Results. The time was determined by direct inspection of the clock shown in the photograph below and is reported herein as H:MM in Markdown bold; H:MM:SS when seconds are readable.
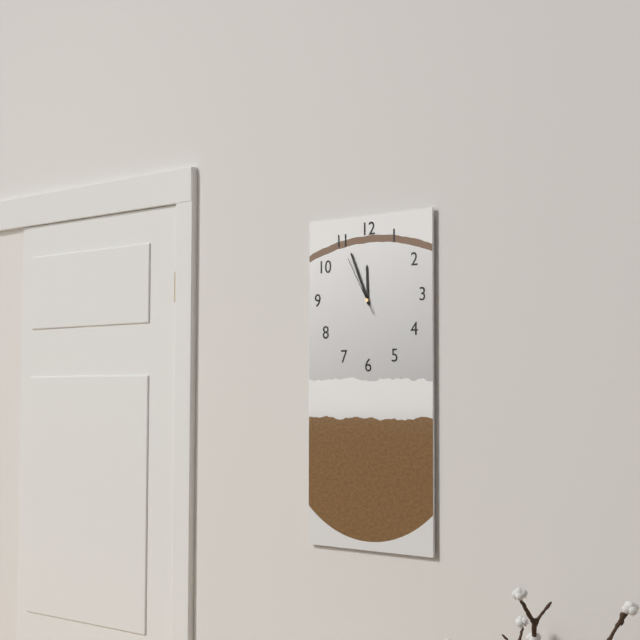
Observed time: **11:56:55**
